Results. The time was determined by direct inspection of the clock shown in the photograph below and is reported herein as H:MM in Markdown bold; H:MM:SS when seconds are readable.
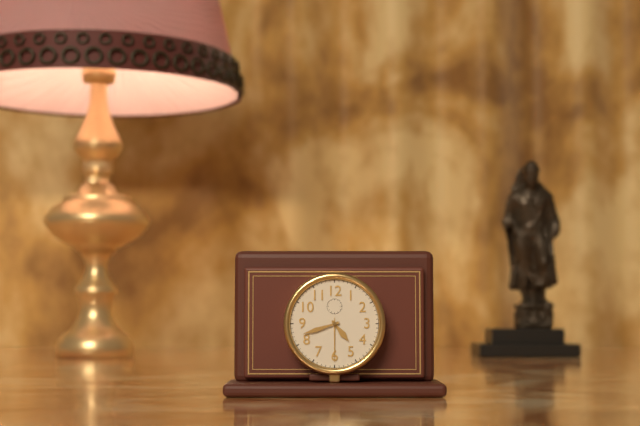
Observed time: **4:42**
